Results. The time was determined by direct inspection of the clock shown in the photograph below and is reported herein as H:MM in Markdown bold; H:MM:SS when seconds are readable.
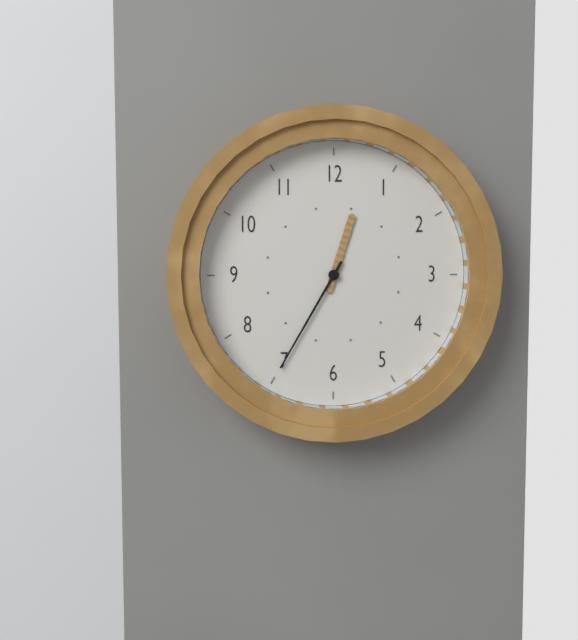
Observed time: **12:35**
